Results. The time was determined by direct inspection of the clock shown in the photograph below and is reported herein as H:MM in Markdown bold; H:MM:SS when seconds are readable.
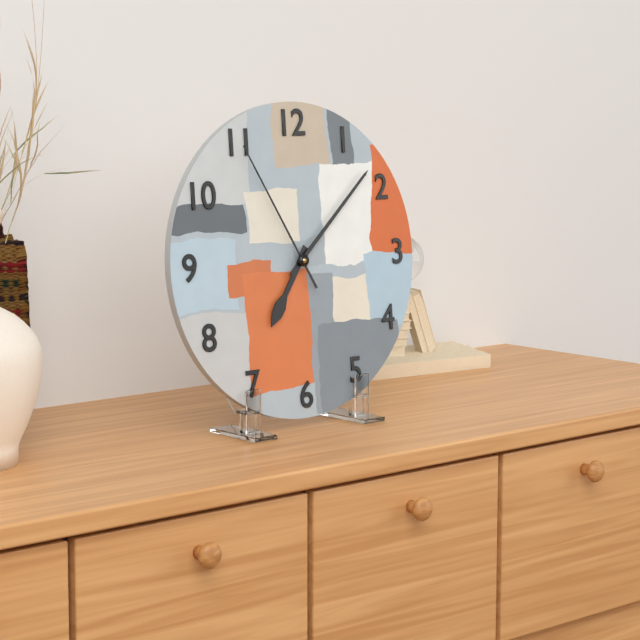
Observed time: **7:08:55**
